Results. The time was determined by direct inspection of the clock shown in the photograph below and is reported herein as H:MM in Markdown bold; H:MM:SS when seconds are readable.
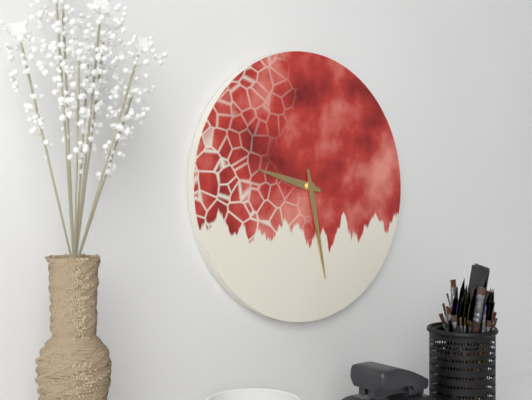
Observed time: **9:28**
